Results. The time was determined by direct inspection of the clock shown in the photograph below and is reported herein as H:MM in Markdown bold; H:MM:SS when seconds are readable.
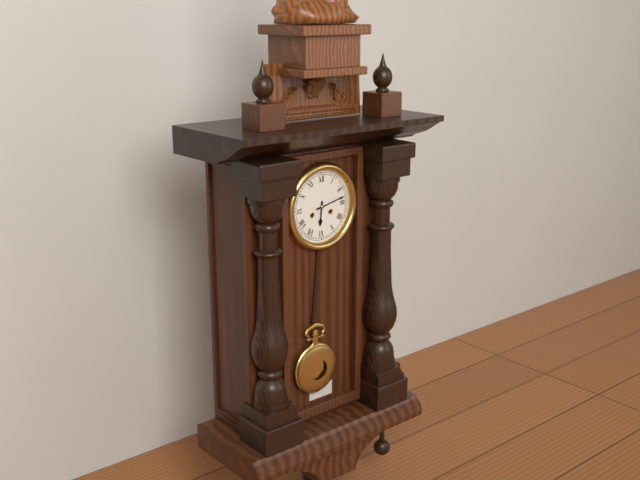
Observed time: **6:13**
